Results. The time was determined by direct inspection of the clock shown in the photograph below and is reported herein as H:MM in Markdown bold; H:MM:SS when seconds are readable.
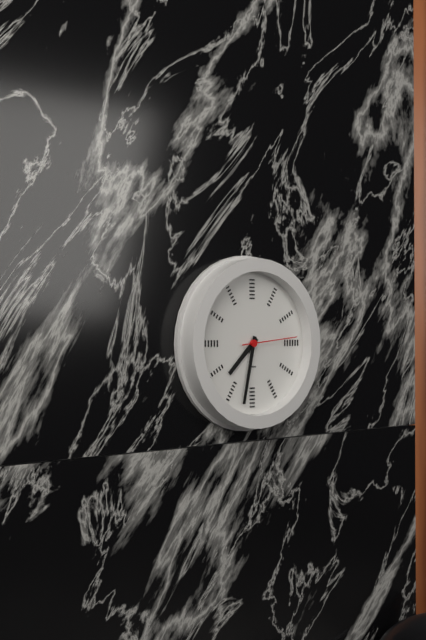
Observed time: **7:32:14**
